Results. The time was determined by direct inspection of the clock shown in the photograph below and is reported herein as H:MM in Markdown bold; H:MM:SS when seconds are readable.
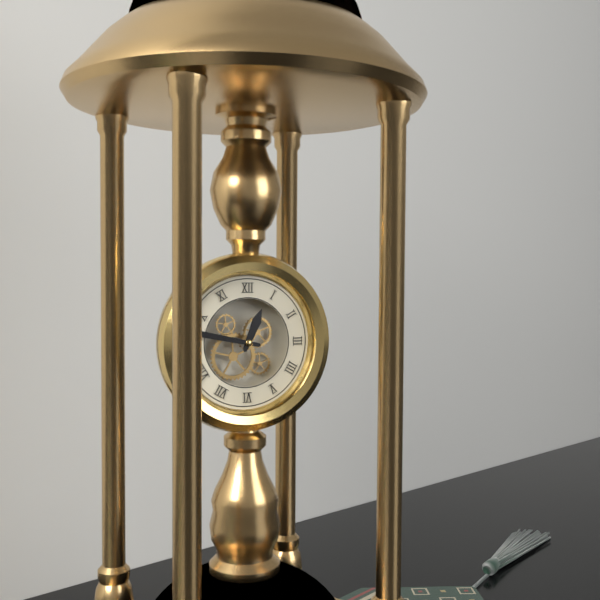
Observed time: **12:47**
